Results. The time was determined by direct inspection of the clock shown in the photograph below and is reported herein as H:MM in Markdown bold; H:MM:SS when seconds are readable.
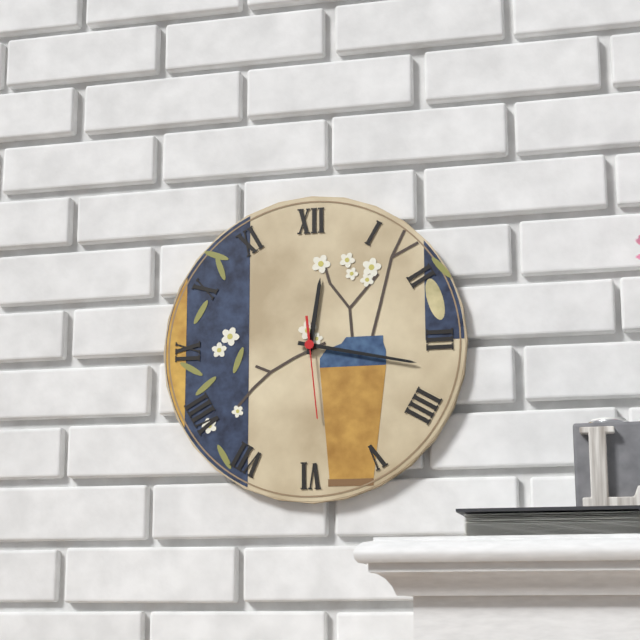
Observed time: **12:17:29**
